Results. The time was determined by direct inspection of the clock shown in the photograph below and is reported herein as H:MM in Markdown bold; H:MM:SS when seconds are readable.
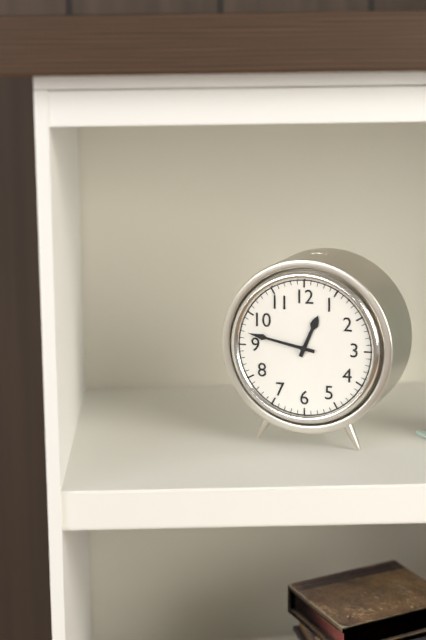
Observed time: **12:47**
